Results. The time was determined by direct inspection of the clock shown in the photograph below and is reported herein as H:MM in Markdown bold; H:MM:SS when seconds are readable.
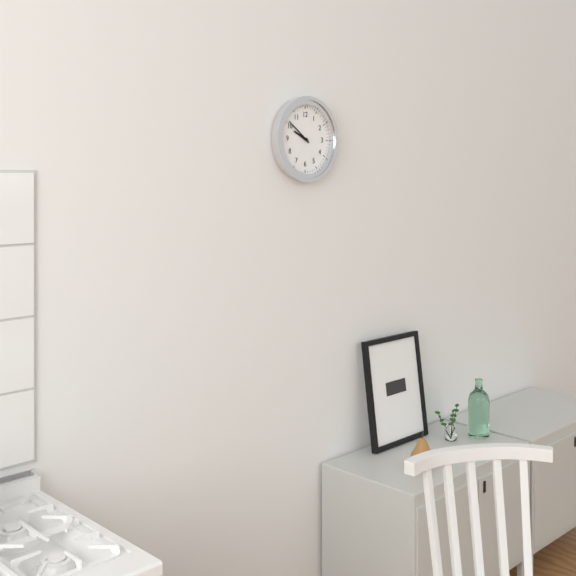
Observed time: **9:51**
